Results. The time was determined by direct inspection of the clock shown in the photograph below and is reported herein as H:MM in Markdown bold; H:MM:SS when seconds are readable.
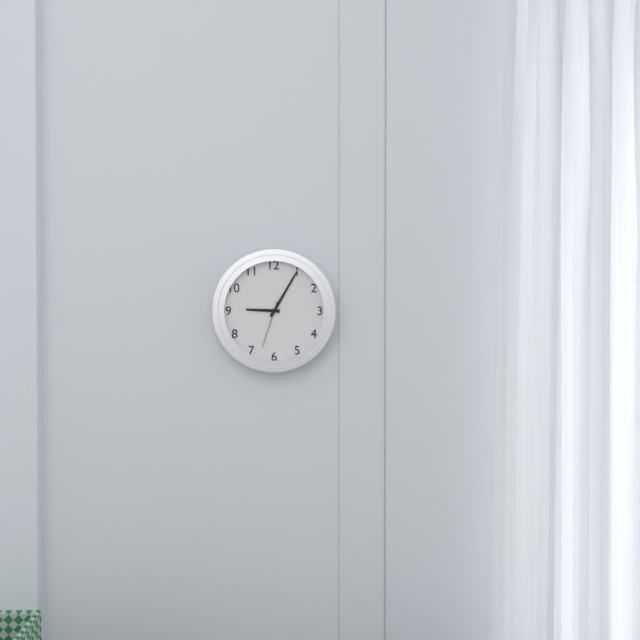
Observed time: **9:05**
